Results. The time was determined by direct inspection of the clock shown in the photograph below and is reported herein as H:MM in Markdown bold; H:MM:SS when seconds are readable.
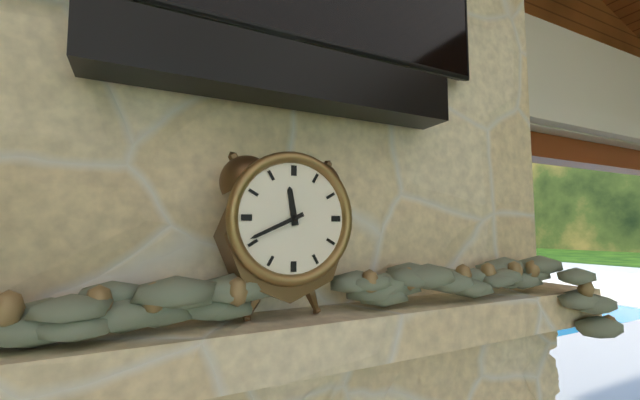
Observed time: **11:41**
